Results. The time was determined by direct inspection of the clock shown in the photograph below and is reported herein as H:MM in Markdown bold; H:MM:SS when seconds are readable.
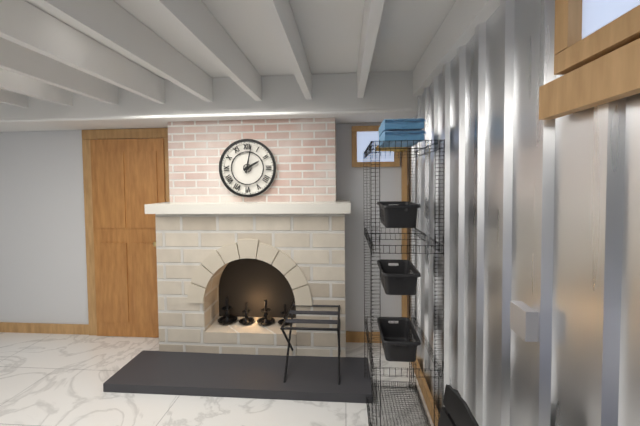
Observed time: **2:02**
